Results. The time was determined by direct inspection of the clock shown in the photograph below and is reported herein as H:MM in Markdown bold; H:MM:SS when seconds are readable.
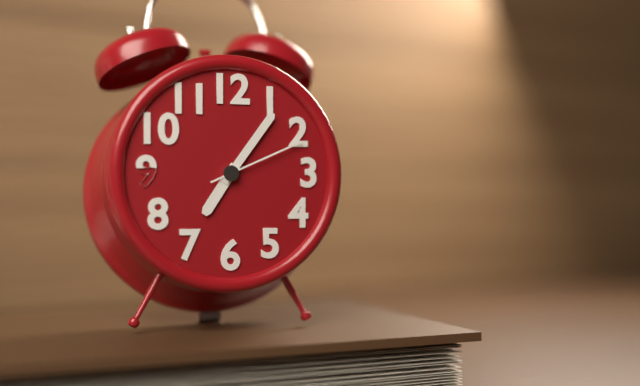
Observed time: **7:06:11**
